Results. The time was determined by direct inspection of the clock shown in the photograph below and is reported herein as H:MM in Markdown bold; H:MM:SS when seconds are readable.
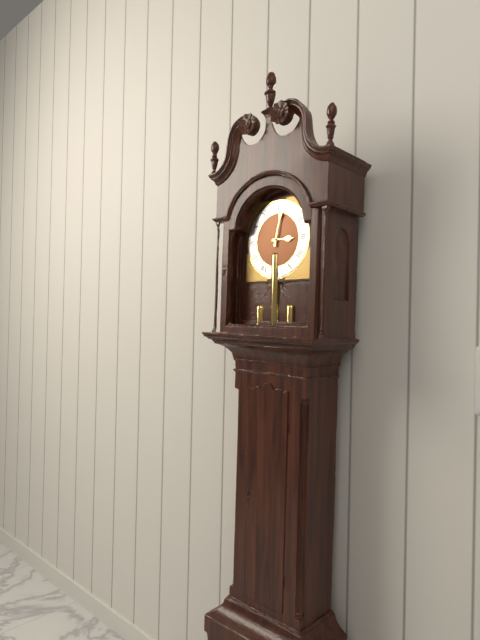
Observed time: **3:02**
